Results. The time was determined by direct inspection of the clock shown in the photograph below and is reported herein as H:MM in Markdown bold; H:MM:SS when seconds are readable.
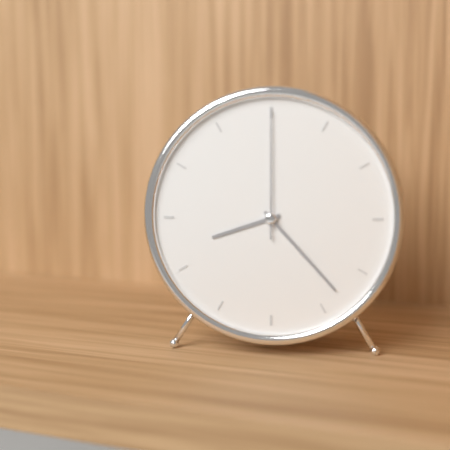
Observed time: **8:23:00**
